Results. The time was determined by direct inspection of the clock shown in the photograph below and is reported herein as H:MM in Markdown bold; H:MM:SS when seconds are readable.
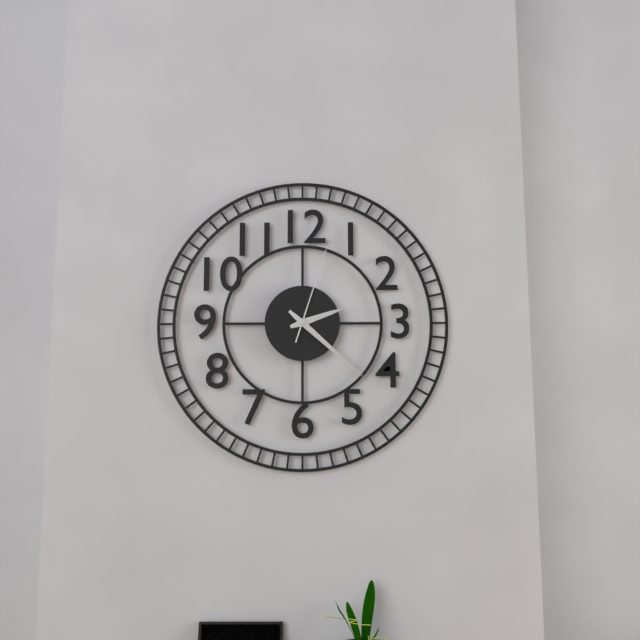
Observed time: **2:22:03**
